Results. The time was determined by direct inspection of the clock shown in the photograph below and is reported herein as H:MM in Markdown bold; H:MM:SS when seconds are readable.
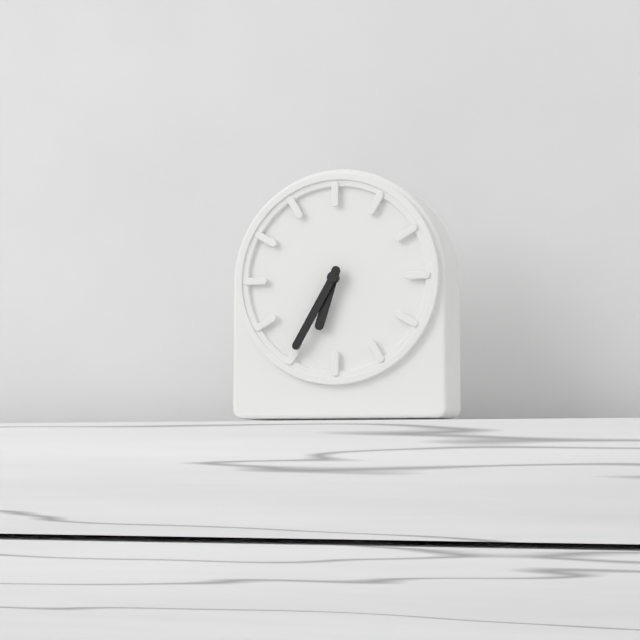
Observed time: **6:35**
